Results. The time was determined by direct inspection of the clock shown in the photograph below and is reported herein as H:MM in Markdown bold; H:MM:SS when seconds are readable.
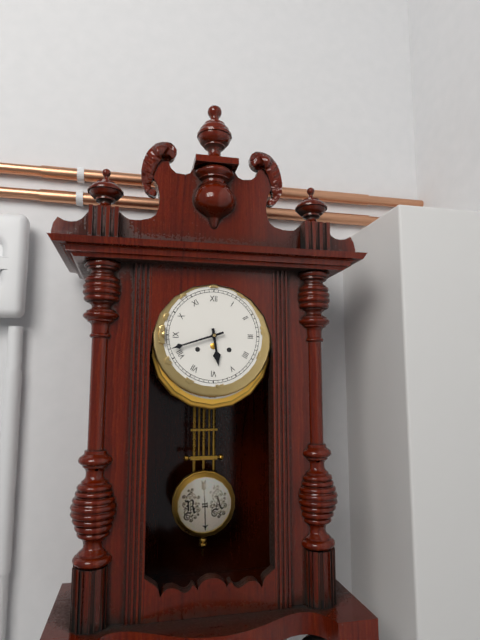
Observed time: **5:42**
